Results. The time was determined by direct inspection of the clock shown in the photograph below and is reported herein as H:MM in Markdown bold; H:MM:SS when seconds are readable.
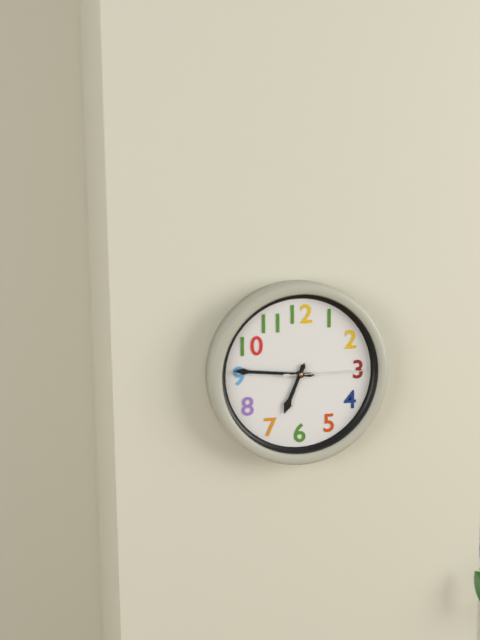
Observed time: **6:46:15**
